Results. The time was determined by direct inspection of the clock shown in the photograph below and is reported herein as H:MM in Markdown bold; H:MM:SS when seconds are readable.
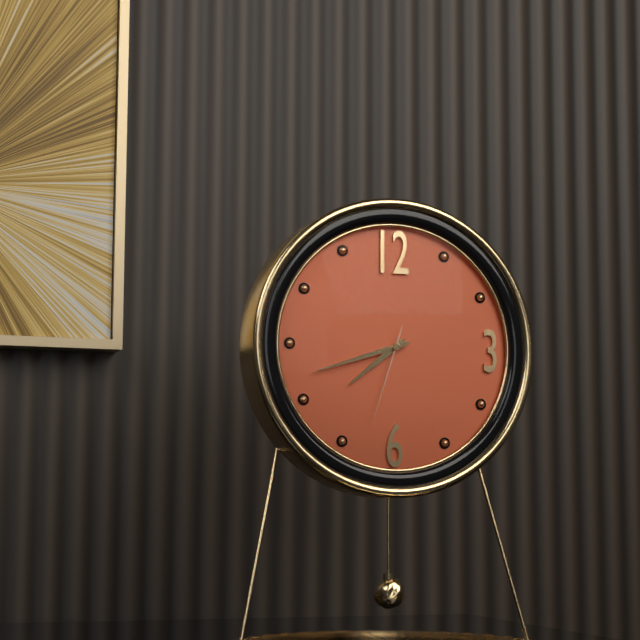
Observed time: **7:42:33**
